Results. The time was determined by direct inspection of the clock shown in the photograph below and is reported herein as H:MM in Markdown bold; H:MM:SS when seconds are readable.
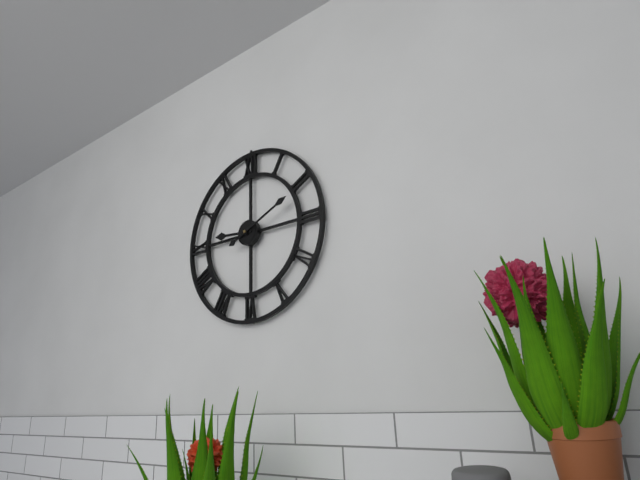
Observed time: **9:11**
